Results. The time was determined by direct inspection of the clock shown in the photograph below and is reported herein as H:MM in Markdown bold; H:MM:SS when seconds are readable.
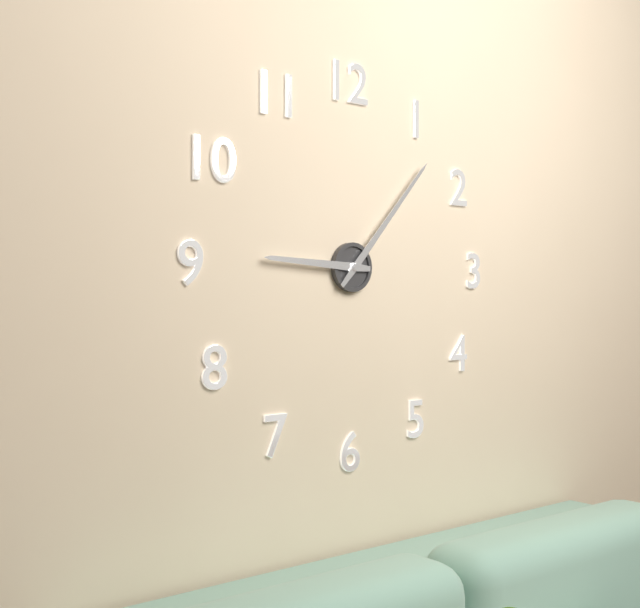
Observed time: **9:07**
